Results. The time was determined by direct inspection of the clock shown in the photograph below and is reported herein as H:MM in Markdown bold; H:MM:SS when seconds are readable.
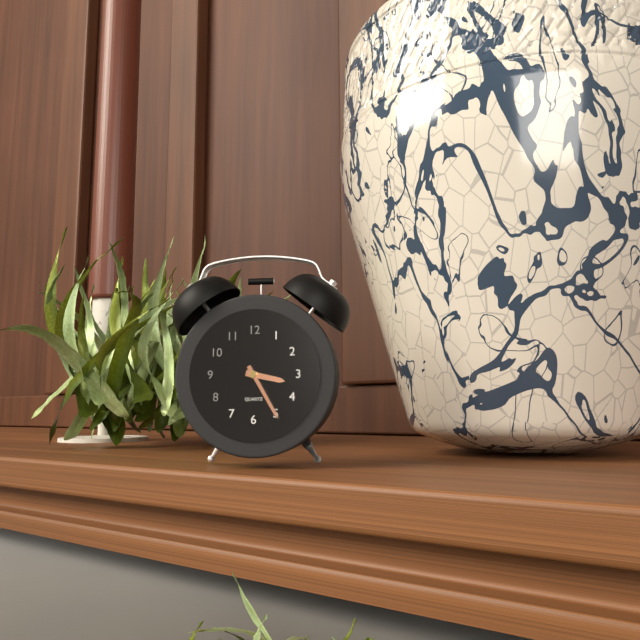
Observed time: **3:25**
